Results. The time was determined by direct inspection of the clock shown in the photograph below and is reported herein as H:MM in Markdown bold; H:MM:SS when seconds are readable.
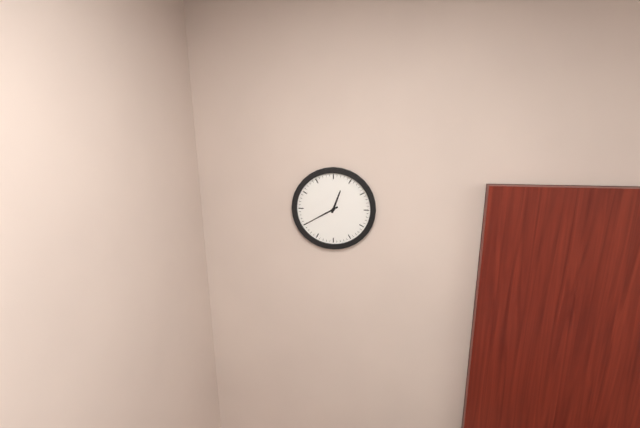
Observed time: **12:40**
